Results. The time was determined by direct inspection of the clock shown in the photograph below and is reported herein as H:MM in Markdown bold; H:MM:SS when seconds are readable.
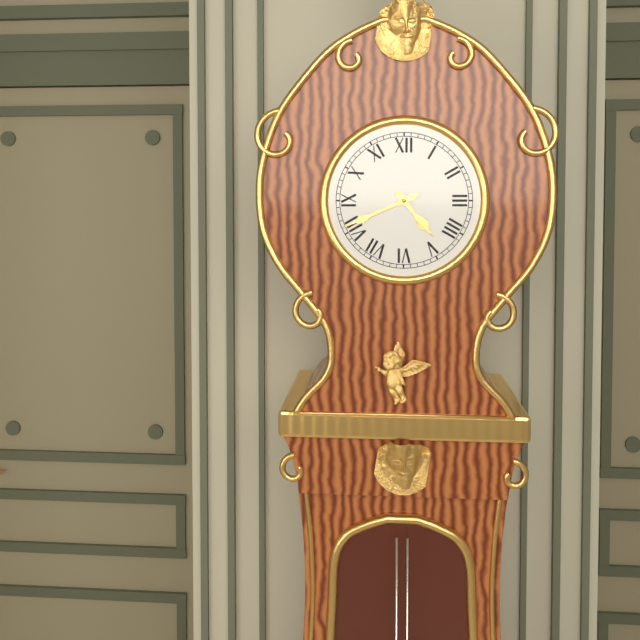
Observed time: **4:41**
